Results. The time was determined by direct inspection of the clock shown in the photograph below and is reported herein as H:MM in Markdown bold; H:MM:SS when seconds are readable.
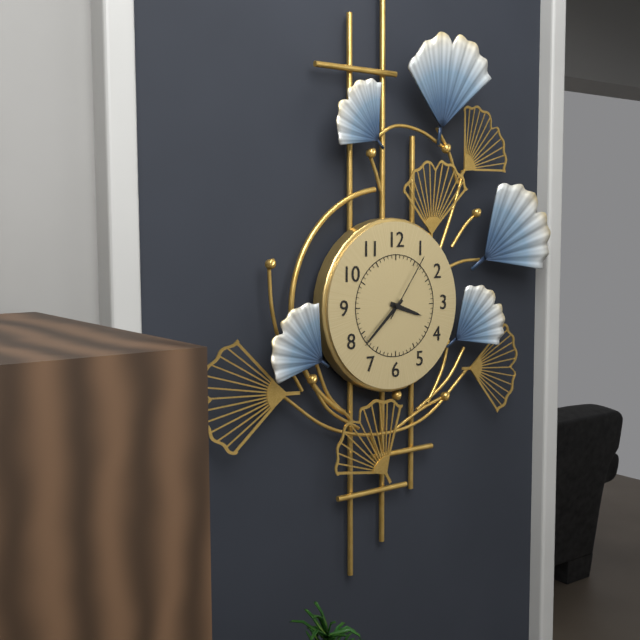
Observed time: **3:38:06**
